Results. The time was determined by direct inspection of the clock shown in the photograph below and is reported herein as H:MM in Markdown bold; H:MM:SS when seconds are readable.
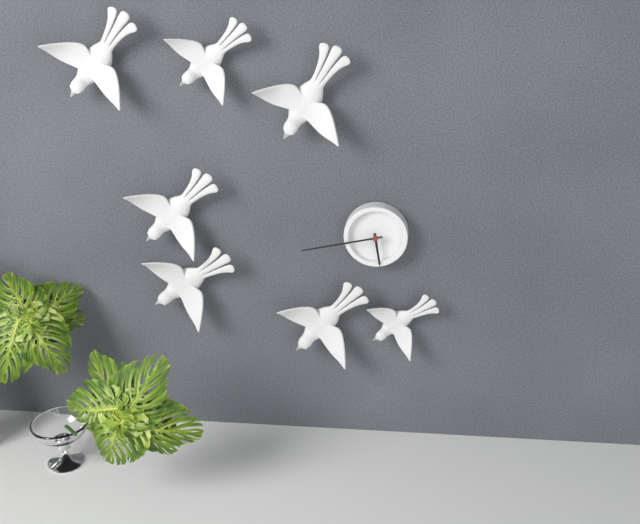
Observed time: **5:43**
